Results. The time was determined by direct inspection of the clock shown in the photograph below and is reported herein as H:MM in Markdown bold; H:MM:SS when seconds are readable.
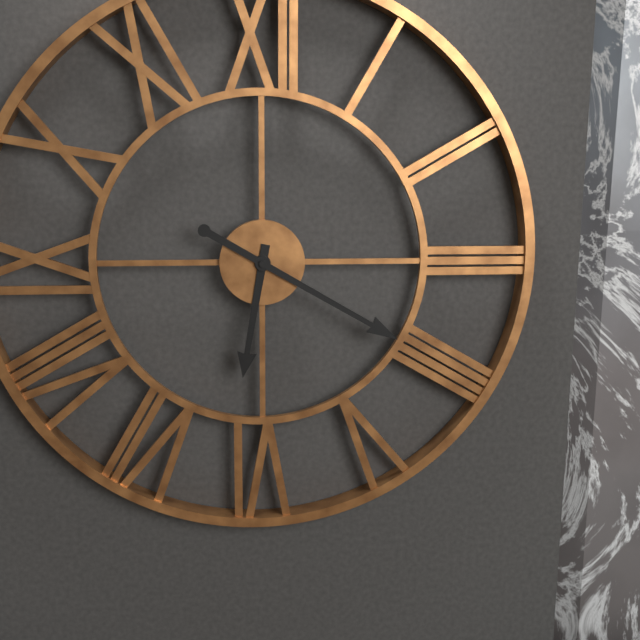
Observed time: **6:20**
